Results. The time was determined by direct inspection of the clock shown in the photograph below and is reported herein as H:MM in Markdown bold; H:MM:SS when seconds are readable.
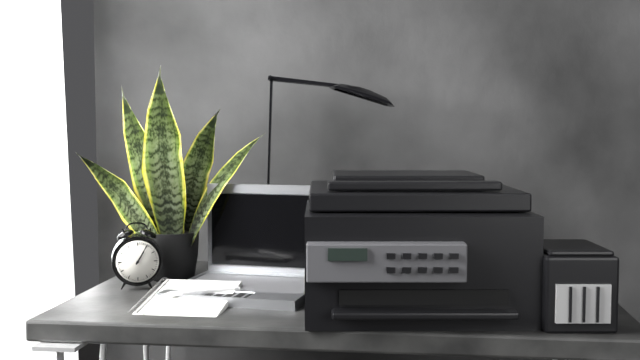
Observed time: **1:05**
